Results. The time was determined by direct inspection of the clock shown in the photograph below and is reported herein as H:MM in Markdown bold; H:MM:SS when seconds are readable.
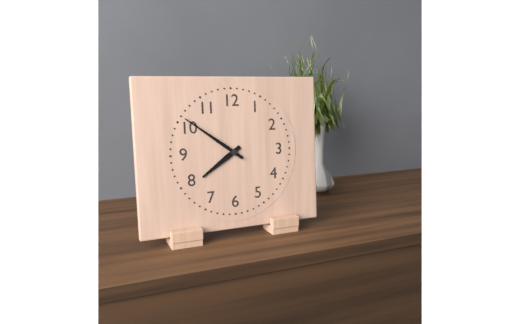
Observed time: **7:51**
